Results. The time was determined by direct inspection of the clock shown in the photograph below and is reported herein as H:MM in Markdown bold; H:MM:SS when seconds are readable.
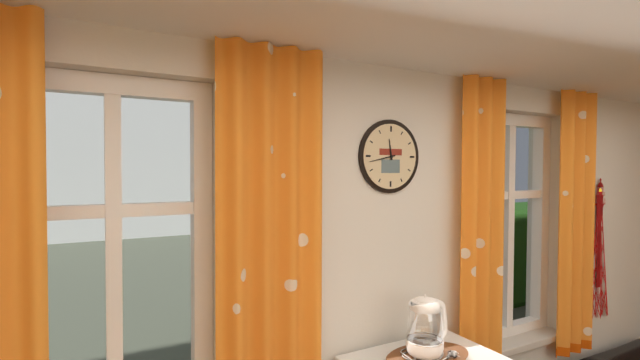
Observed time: **11:43**
